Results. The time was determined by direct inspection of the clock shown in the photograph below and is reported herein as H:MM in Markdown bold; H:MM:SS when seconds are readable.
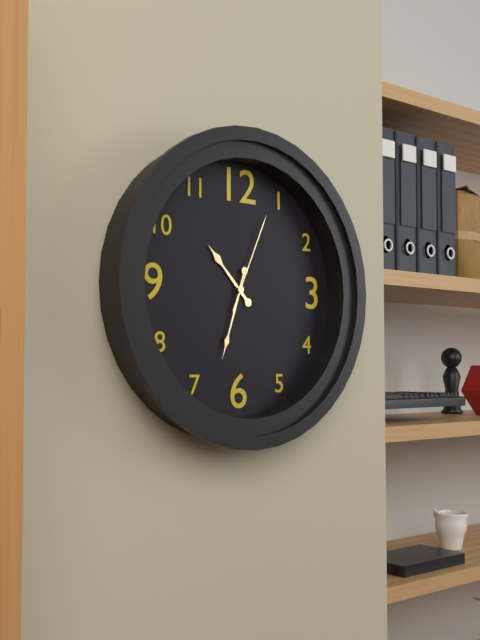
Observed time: **10:33:04**
